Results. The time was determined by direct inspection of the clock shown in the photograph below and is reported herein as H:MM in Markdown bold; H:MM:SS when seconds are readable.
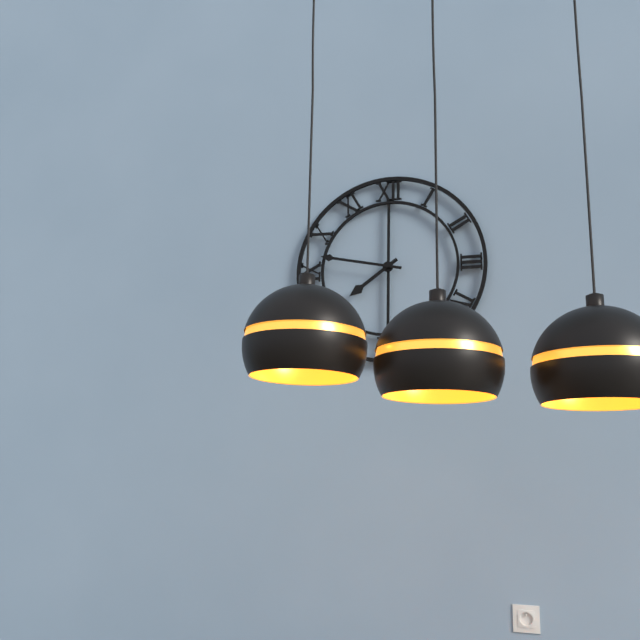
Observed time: **7:47**
